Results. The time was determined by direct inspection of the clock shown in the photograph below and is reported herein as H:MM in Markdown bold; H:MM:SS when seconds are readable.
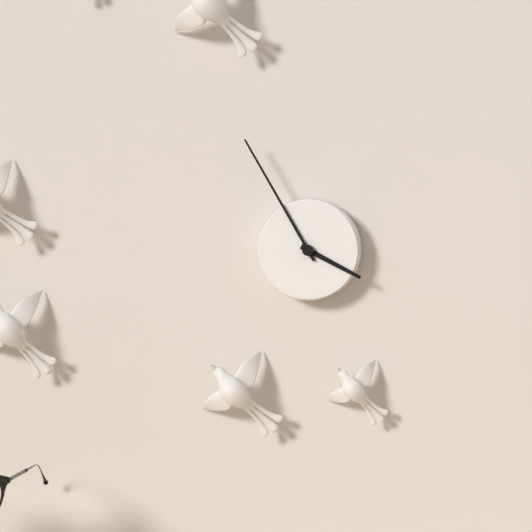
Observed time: **3:55**
